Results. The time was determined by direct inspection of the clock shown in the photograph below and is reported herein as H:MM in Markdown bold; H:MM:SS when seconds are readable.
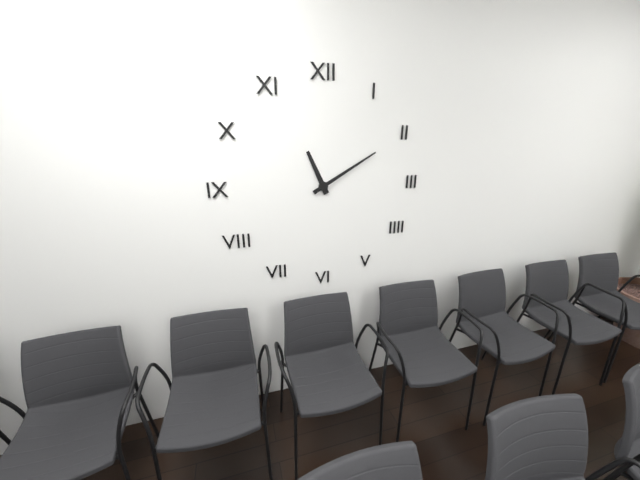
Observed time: **11:10**
